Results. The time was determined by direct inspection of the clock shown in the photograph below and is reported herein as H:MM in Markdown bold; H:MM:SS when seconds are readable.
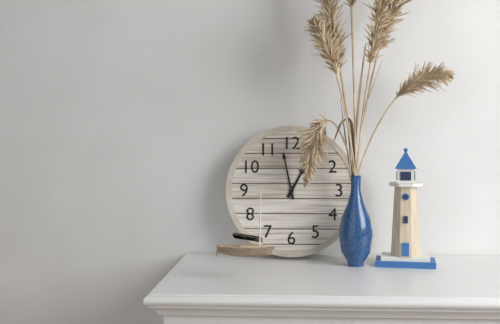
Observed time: **12:58**
